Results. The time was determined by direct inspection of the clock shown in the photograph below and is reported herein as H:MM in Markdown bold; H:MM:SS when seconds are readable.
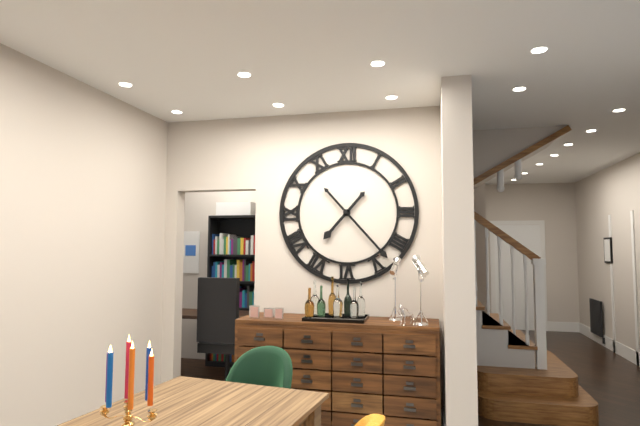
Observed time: **7:23**
